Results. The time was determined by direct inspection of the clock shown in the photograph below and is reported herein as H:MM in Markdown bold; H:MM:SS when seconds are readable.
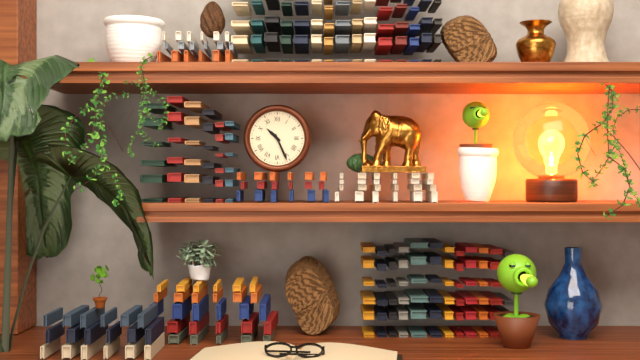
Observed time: **10:26**
